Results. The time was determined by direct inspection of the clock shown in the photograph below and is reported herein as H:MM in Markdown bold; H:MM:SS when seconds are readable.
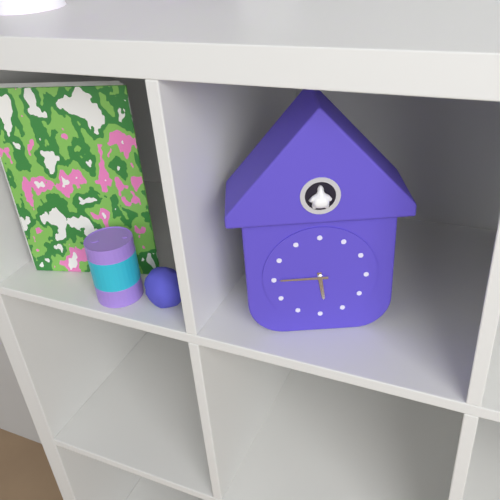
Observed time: **5:45**
